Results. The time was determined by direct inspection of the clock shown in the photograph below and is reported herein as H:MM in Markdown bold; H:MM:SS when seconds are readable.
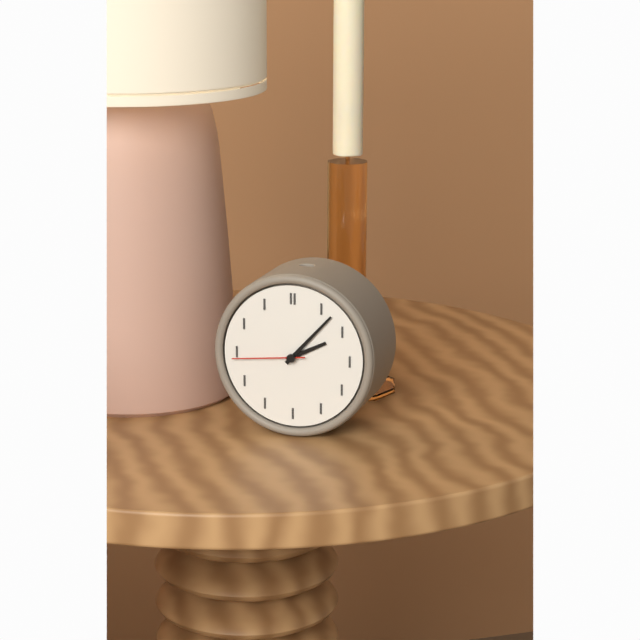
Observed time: **2:07:44**
